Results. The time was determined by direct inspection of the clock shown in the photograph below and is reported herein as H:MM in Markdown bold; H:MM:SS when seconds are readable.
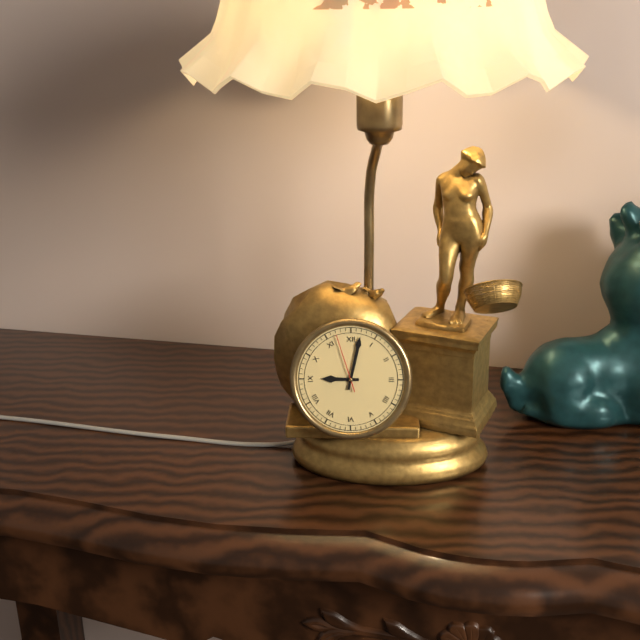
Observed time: **9:02:57**
